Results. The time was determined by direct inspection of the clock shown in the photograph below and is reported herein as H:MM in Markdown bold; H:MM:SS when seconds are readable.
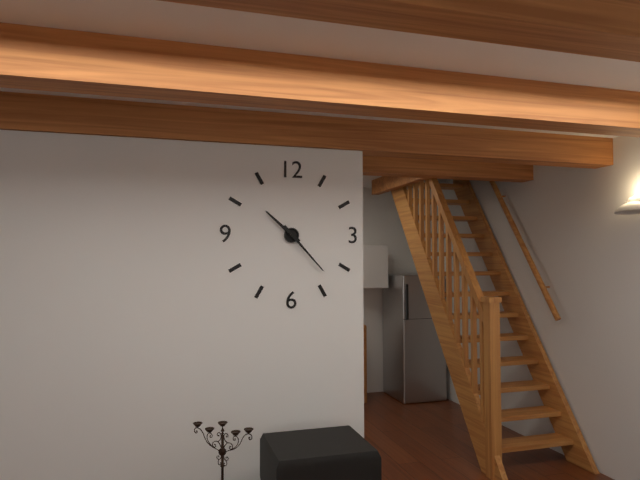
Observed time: **10:23**
